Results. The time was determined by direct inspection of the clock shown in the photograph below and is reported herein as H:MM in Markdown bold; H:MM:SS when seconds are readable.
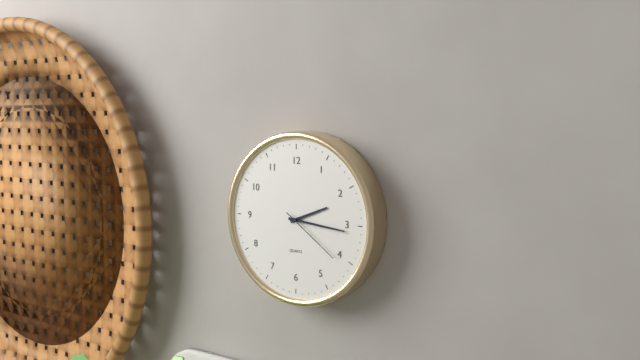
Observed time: **2:16:21**
